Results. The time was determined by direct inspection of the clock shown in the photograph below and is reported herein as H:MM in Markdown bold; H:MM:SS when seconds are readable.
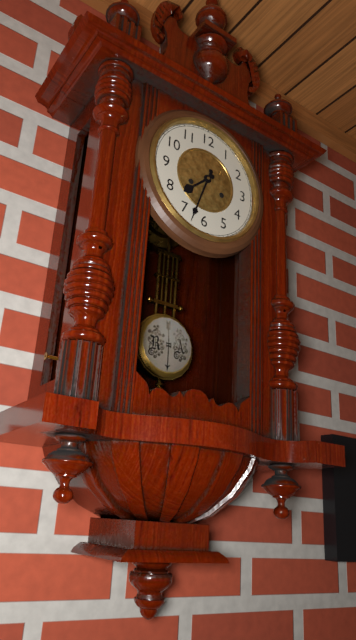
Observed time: **7:33**
